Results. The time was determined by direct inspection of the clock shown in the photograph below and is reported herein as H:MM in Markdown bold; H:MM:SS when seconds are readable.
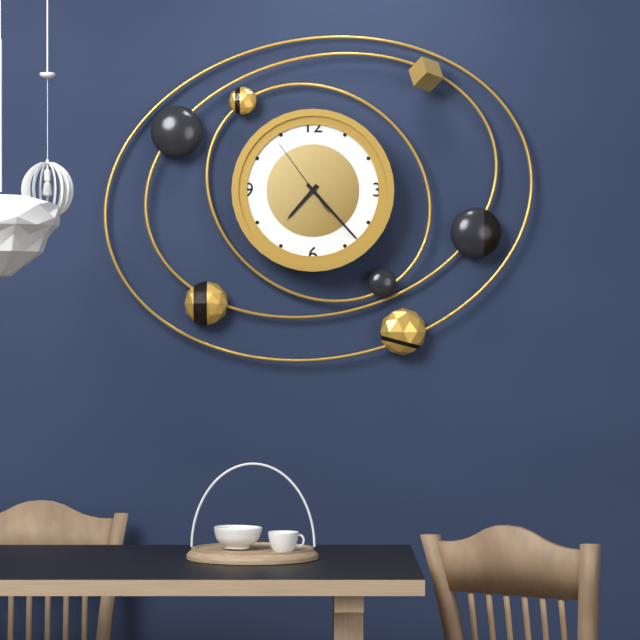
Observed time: **7:23:54**
